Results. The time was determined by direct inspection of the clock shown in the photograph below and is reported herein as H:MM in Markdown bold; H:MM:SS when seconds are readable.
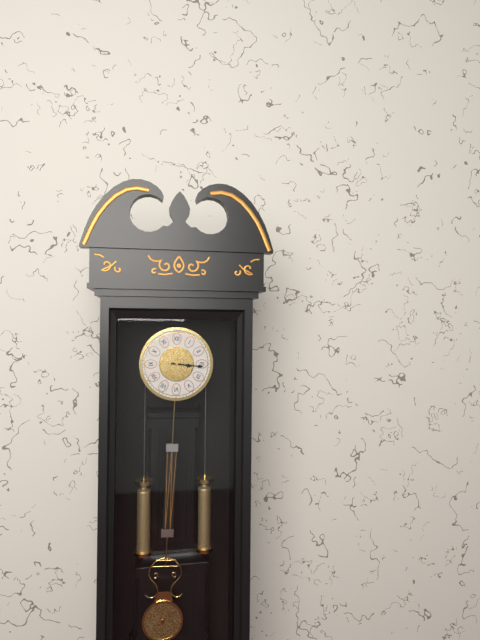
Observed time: **3:16**
